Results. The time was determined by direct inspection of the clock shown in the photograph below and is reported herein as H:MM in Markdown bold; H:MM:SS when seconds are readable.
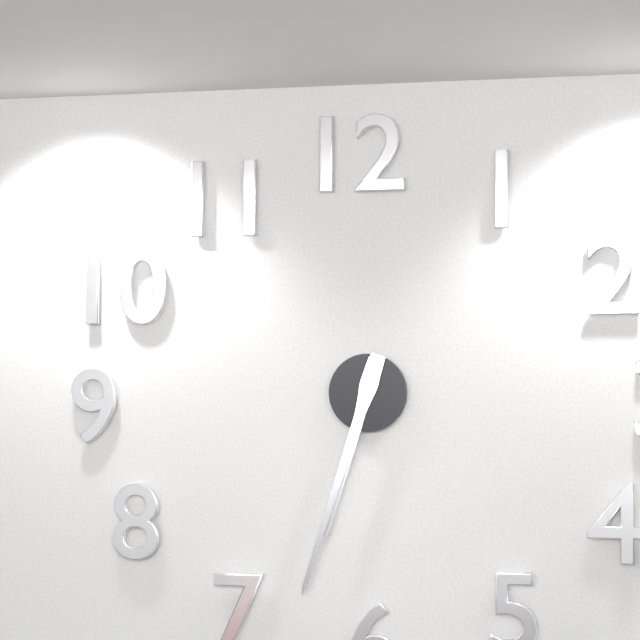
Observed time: **6:33**
